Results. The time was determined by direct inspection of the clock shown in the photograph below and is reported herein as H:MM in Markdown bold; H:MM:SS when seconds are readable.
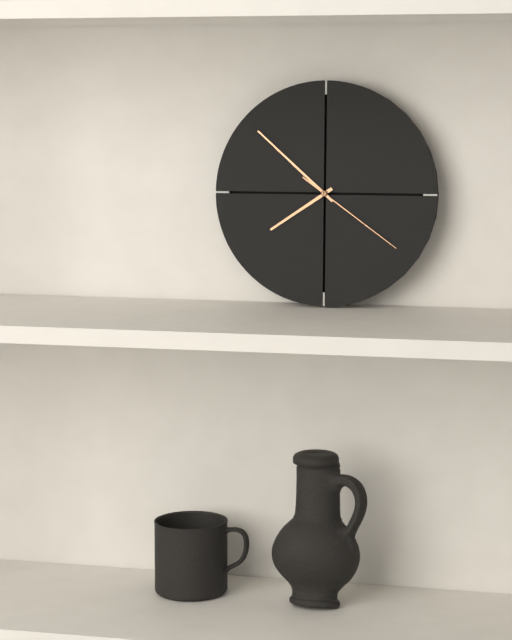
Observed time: **7:52:21**
